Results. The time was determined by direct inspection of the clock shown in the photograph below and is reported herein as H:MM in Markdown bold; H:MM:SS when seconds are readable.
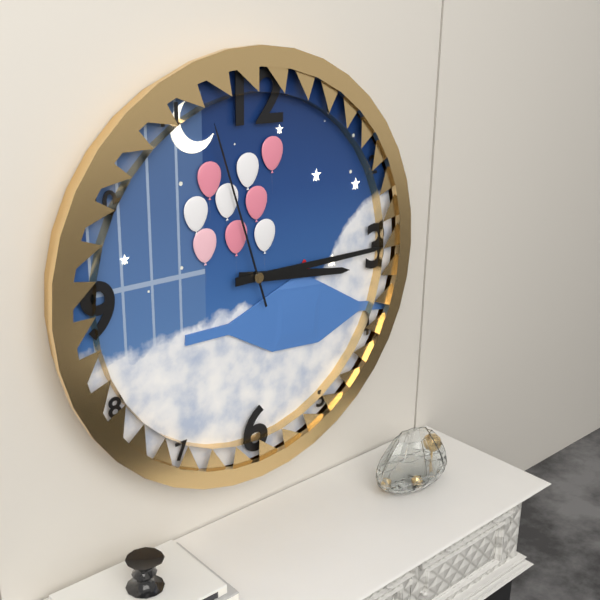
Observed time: **3:15:57**
